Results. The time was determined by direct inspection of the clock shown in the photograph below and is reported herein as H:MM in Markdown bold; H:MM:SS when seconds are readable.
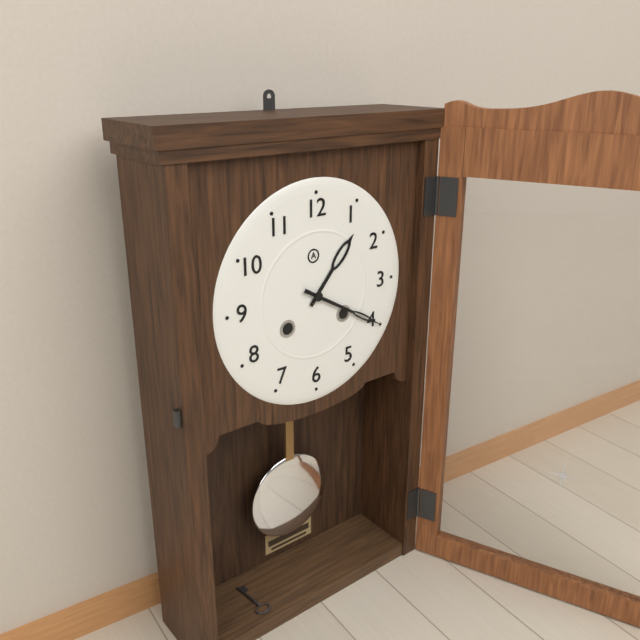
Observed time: **1:20**
